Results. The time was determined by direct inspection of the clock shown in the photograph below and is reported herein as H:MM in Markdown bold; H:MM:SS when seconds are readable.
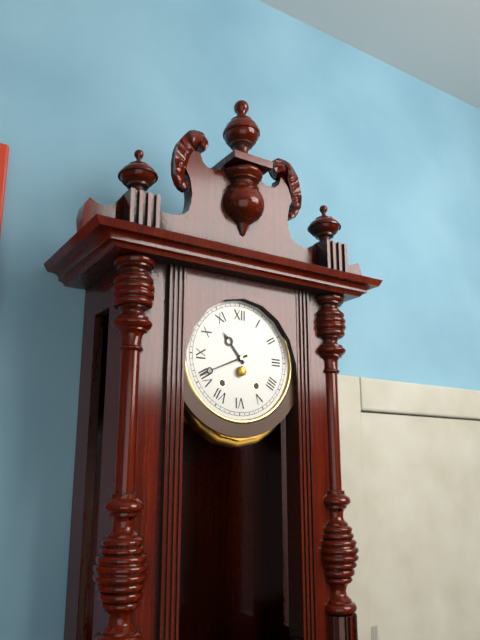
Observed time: **10:41**
